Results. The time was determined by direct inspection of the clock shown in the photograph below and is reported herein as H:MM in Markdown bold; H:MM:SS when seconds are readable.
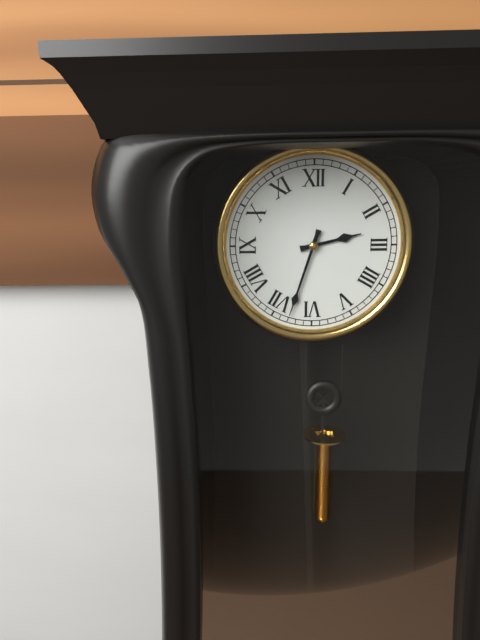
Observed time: **2:33**
